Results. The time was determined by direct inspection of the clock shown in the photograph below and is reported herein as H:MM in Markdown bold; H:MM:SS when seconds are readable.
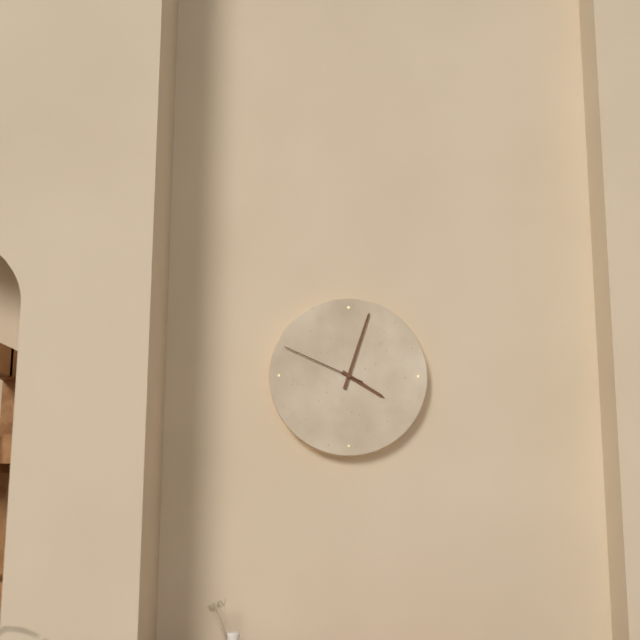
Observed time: **4:03:49**
